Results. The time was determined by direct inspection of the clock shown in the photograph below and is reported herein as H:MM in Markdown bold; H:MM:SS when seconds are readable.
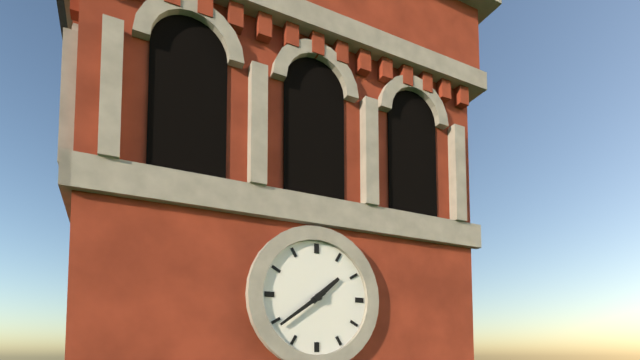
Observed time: **1:39**
